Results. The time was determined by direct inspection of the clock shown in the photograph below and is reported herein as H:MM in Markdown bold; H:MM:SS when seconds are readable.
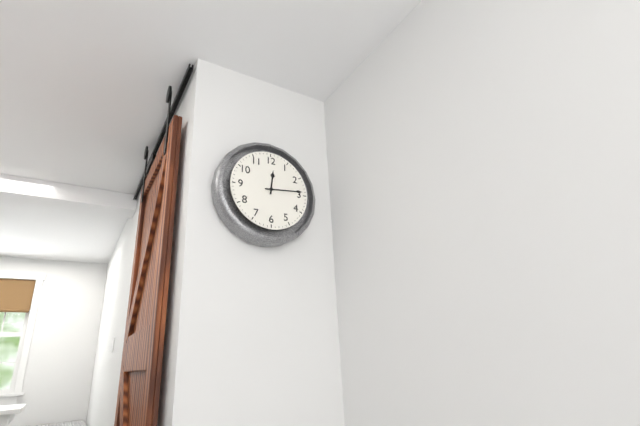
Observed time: **12:14**
